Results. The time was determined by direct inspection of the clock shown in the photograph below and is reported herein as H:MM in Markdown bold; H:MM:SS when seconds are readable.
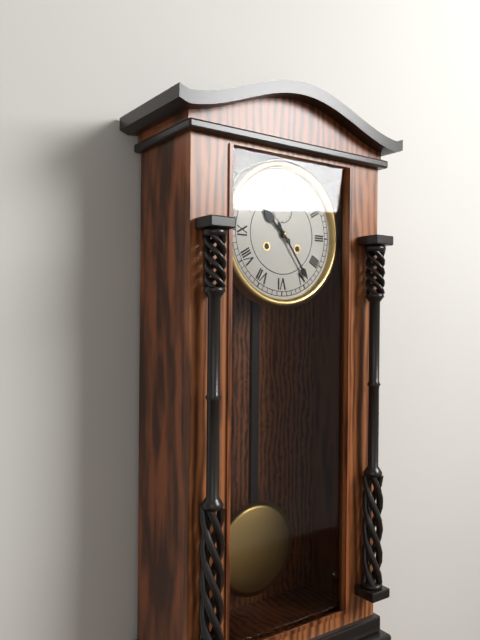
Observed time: **10:24**
